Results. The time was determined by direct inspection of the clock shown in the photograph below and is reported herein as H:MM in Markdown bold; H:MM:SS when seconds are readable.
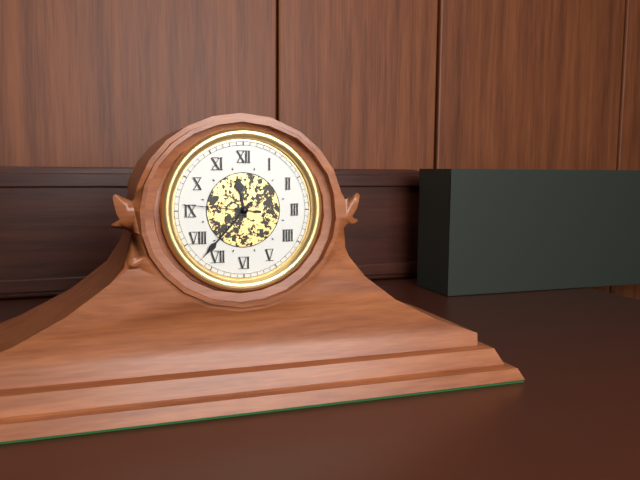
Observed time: **11:37:46**
